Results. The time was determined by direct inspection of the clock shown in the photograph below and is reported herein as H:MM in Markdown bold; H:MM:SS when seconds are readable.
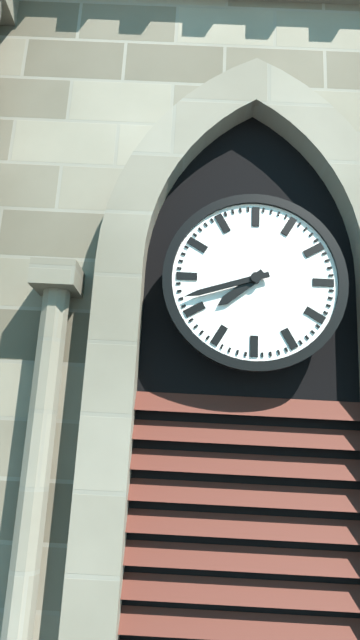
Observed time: **7:42**
